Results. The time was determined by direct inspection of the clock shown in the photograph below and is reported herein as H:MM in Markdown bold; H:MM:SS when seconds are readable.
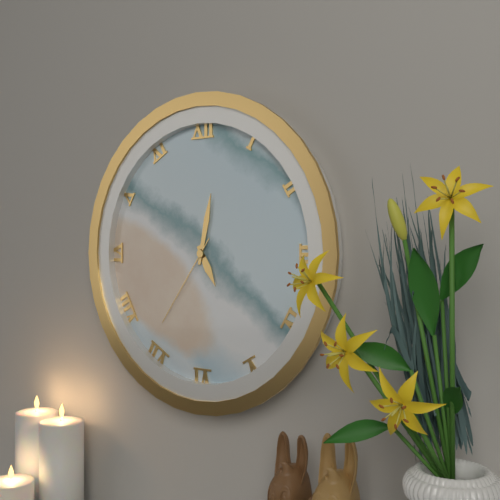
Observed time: **5:02:36**
